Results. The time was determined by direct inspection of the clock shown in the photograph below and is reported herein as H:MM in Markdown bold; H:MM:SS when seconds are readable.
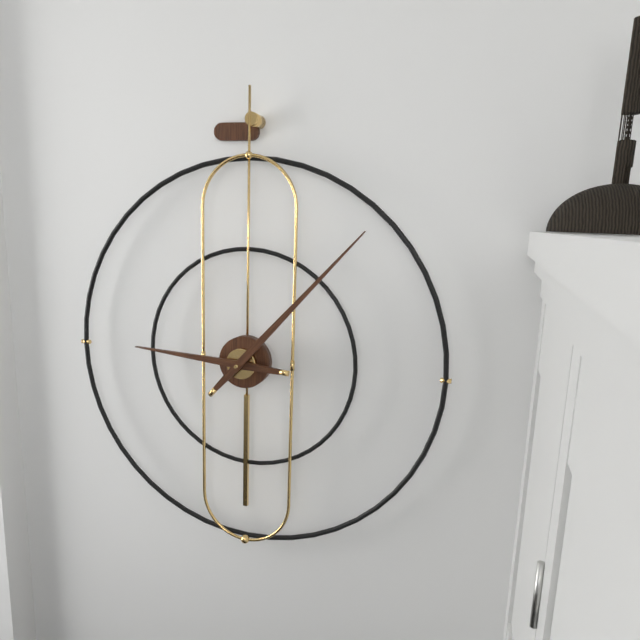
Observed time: **9:07**
